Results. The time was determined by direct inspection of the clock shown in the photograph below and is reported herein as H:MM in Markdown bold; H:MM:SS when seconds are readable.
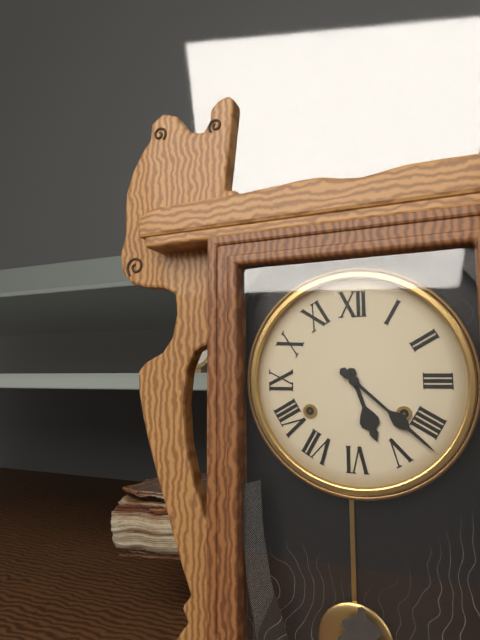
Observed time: **5:22**
